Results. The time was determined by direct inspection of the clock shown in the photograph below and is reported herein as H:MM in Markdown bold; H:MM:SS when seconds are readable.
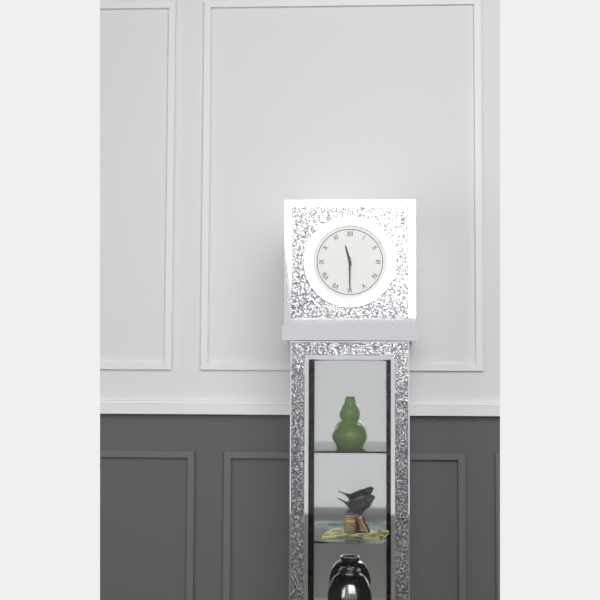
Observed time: **11:30**
